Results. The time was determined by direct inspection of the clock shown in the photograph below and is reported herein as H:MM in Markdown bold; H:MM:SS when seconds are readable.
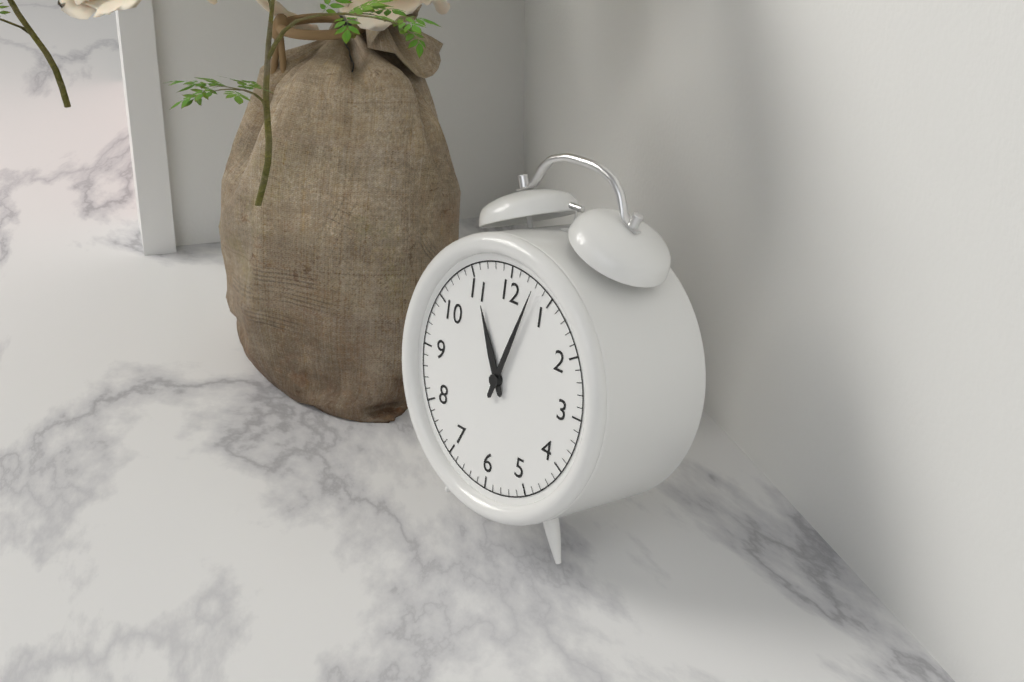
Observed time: **11:03**
